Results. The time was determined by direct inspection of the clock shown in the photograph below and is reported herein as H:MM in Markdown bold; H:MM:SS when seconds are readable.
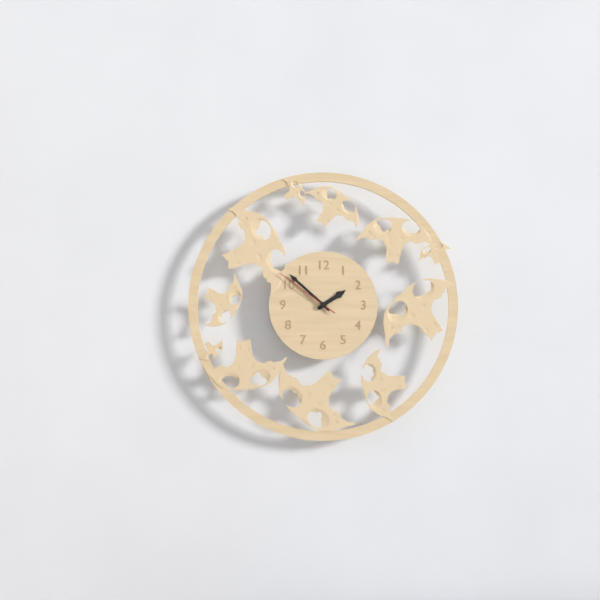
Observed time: **1:52:51**
